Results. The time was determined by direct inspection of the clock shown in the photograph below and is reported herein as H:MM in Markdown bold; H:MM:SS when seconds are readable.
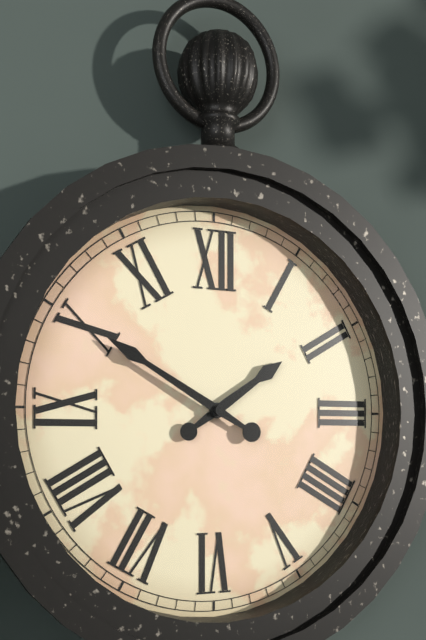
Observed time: **1:50**
